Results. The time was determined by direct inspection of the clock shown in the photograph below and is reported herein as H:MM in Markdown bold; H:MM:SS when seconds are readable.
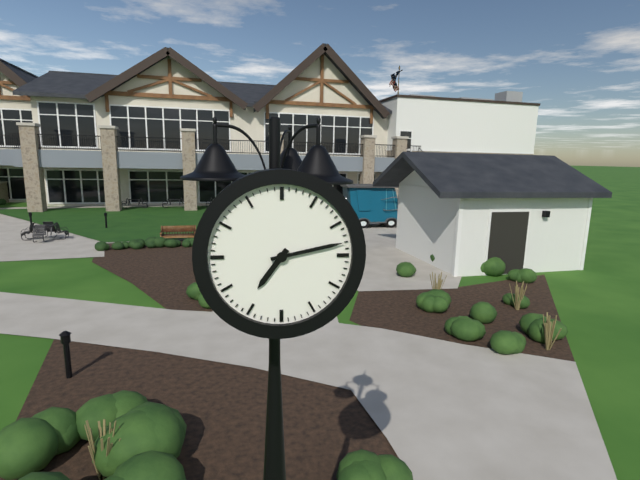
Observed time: **7:13**
